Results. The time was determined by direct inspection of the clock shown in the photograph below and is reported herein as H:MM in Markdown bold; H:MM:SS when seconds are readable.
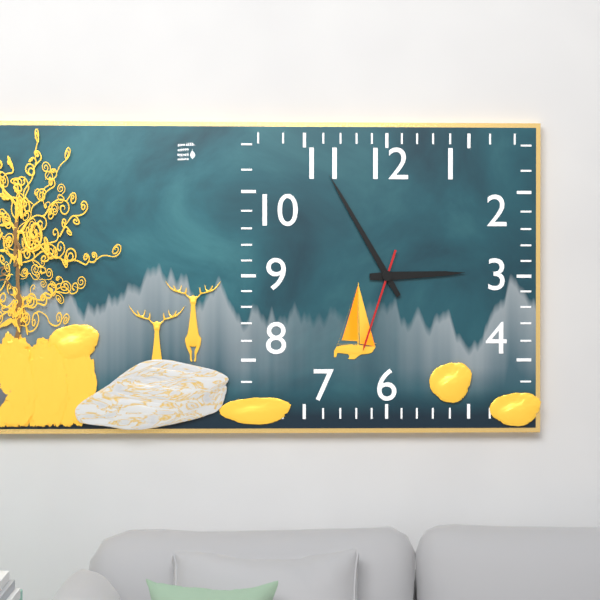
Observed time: **2:55:33**
